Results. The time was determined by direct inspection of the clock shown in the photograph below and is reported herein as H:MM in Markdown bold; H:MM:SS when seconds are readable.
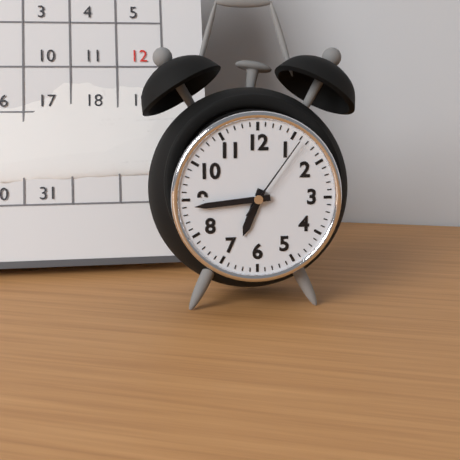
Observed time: **6:44:06**
